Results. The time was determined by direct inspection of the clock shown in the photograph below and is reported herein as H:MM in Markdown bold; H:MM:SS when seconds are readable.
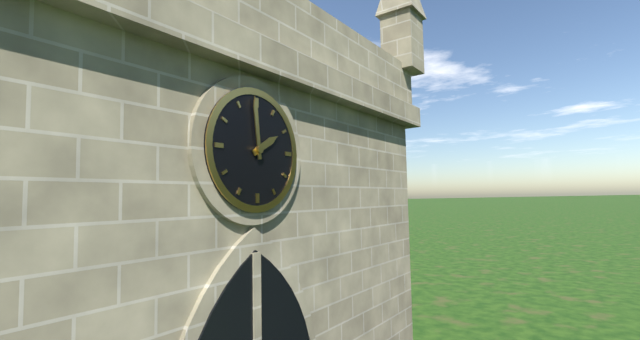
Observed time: **1:59**
